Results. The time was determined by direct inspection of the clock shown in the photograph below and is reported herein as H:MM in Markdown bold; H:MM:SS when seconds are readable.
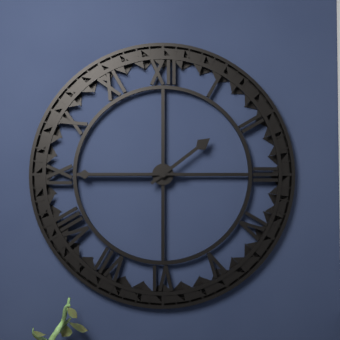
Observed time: **1:45**
